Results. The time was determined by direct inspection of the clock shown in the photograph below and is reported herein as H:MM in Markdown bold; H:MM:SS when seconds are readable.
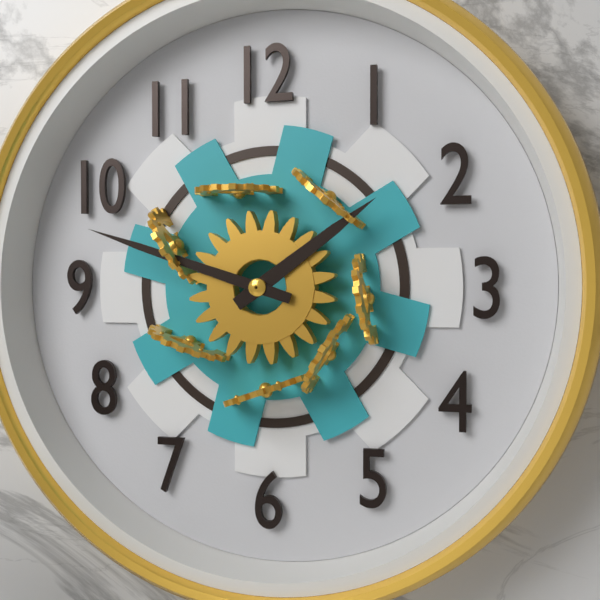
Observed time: **1:48**
